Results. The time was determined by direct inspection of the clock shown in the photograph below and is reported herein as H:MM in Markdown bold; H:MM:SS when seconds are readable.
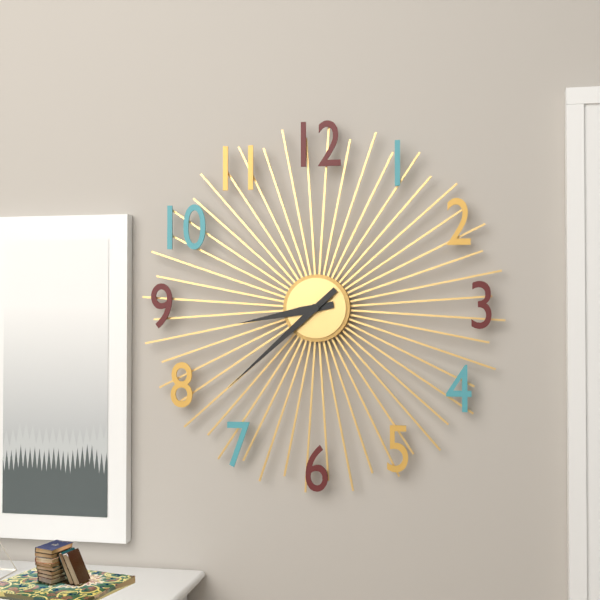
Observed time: **8:38**
